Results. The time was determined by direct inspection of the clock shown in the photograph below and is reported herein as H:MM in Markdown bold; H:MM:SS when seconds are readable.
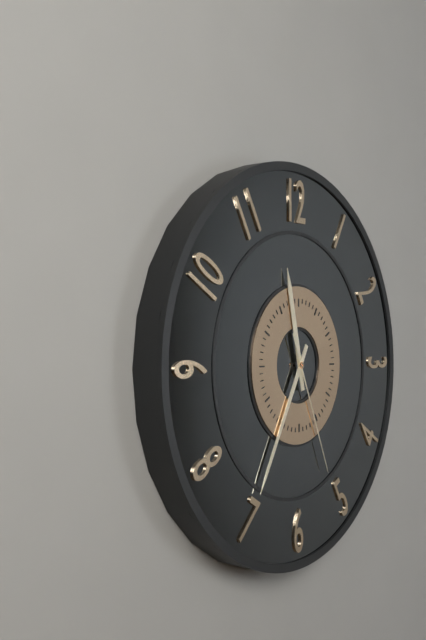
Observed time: **11:35:26**
